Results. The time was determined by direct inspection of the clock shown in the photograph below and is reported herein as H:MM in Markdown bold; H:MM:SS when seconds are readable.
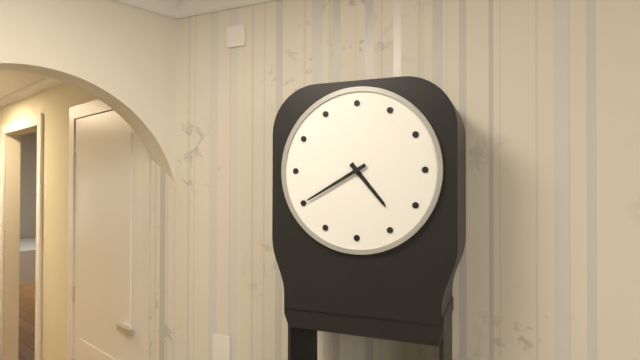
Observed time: **4:40**
